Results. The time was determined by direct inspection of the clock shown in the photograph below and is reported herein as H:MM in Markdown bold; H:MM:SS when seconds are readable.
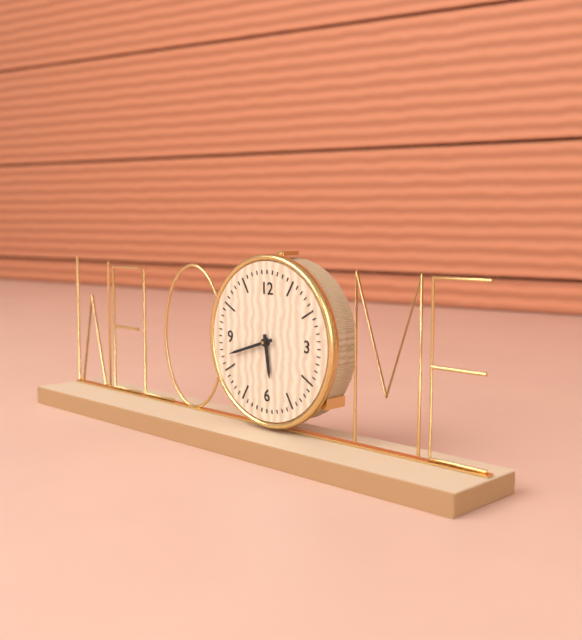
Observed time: **5:42**
